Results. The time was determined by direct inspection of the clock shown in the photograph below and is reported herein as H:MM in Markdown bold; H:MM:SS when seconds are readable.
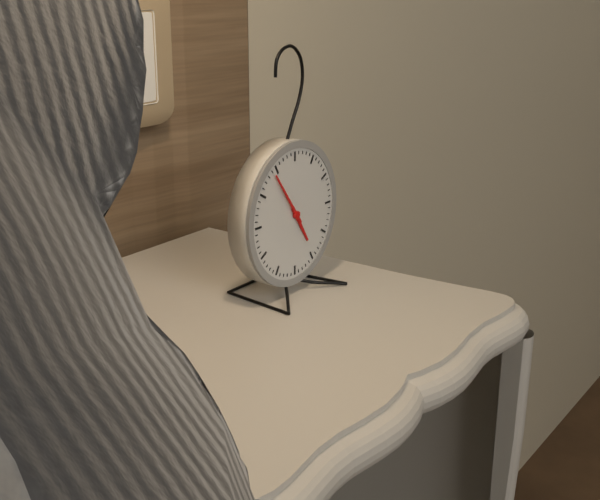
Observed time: **4:54**
